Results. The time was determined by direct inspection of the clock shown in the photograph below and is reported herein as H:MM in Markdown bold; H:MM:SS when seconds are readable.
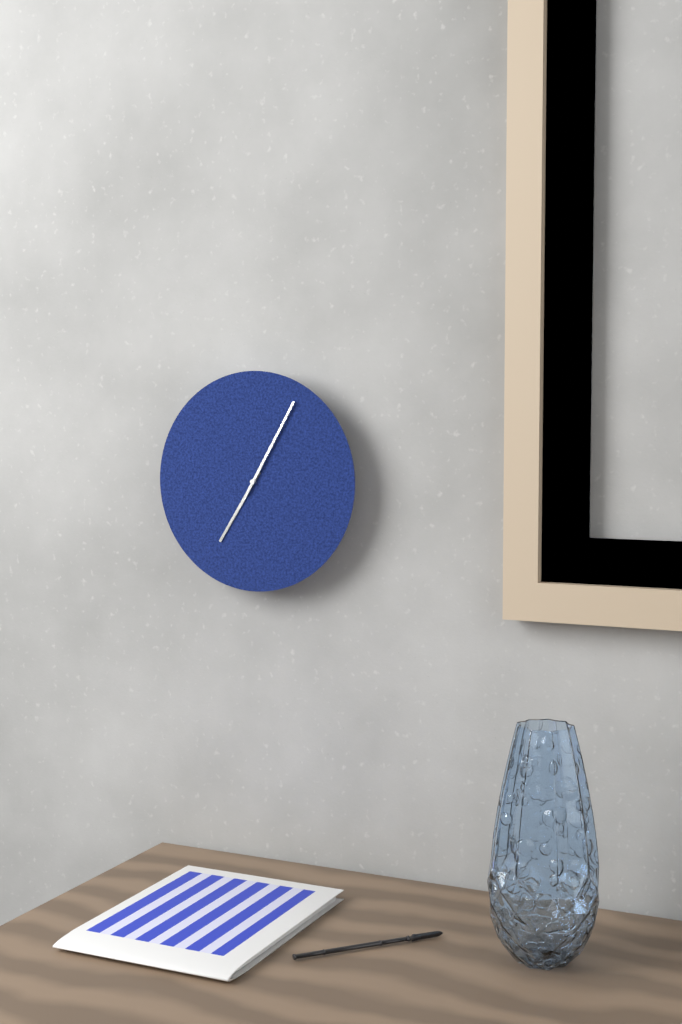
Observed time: **7:05**
